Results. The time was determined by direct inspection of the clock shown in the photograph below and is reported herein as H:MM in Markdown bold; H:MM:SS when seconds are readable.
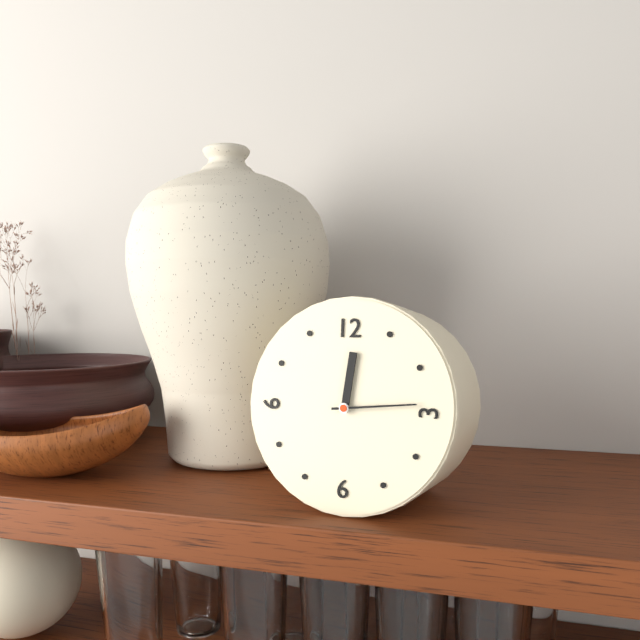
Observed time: **12:14**
